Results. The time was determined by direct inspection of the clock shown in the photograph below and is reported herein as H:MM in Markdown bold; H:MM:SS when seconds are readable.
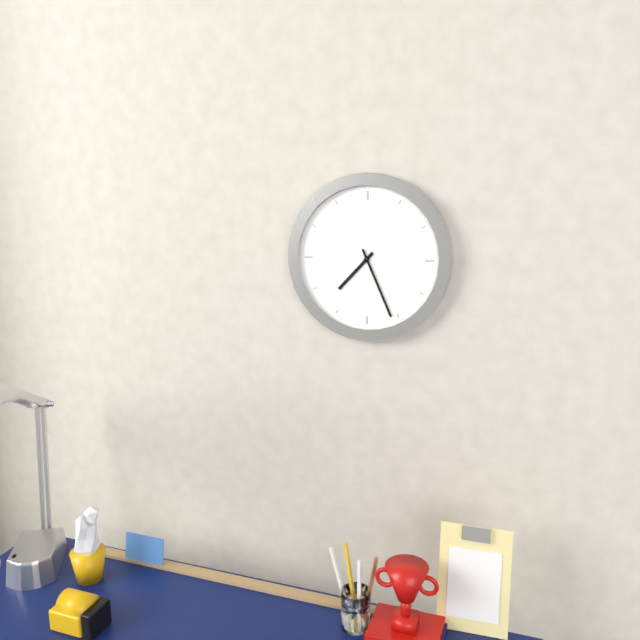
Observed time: **7:26**
